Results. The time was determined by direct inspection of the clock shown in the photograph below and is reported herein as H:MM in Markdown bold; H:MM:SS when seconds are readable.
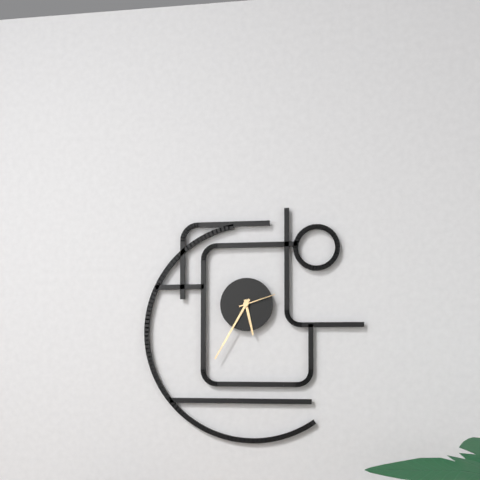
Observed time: **5:35**
